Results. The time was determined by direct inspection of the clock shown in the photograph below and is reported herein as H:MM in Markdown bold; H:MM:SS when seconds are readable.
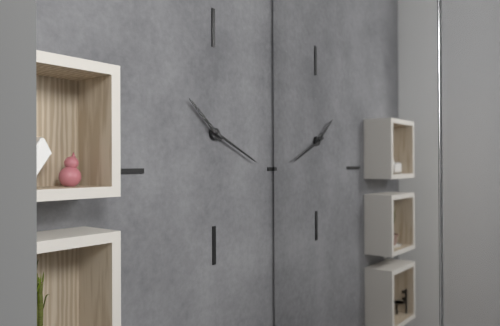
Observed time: **10:19**
